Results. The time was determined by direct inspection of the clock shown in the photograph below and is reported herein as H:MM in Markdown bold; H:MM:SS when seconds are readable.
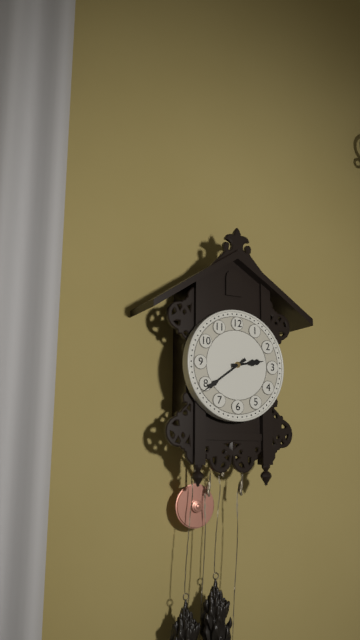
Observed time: **2:39**
